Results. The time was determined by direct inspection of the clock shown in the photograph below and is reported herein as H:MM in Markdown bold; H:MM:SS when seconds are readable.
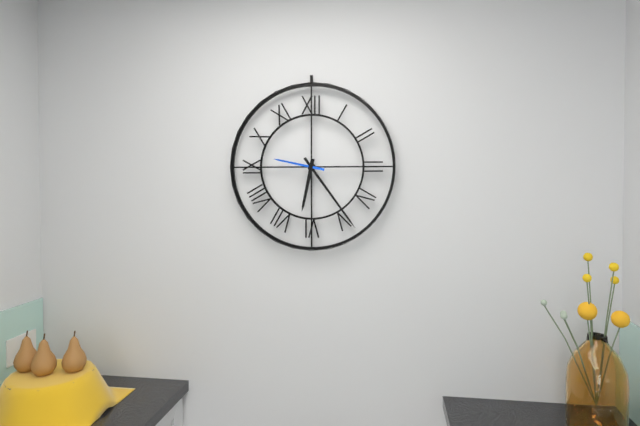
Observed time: **6:24**
